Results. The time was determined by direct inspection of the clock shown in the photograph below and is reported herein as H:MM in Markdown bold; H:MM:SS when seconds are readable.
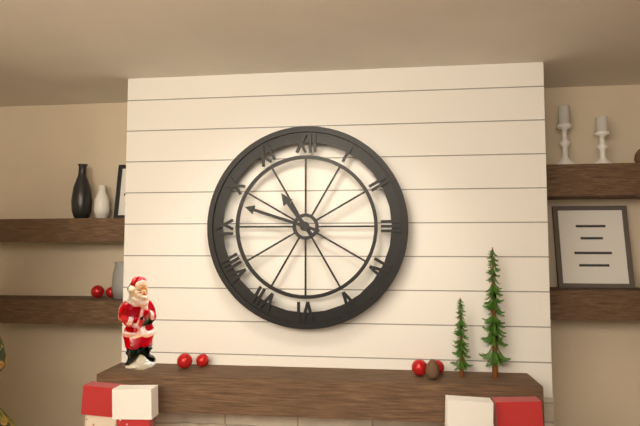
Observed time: **10:48**
